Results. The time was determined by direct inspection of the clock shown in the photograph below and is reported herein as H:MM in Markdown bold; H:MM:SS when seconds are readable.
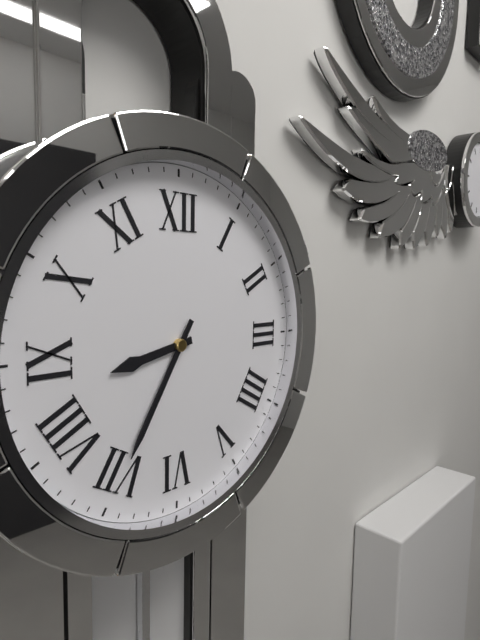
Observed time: **8:35**
